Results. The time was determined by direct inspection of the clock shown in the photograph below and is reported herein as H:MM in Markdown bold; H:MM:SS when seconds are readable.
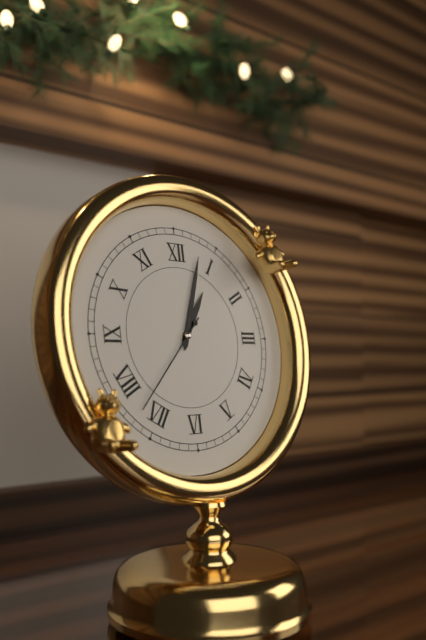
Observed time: **1:03:37**
